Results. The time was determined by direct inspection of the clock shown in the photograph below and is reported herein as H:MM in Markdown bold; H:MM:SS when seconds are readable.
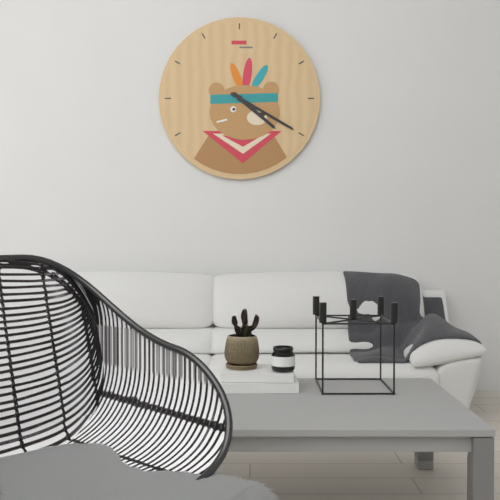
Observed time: **4:20**
